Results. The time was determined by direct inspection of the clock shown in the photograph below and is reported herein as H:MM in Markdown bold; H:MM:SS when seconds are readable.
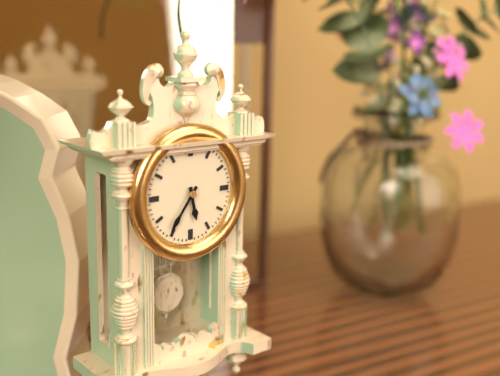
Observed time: **5:36**
